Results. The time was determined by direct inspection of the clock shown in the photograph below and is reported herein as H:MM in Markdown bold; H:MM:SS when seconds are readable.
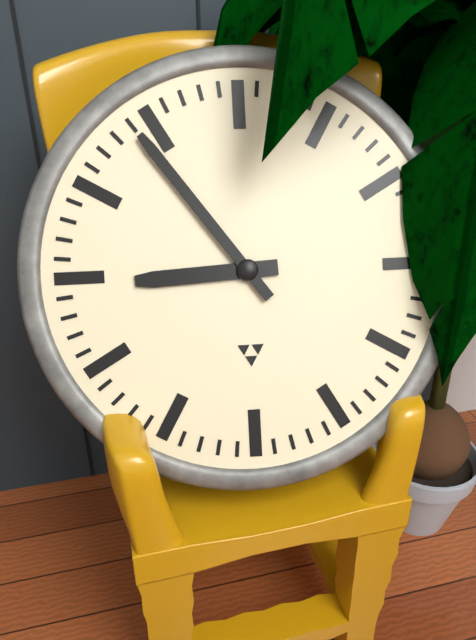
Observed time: **8:54**
